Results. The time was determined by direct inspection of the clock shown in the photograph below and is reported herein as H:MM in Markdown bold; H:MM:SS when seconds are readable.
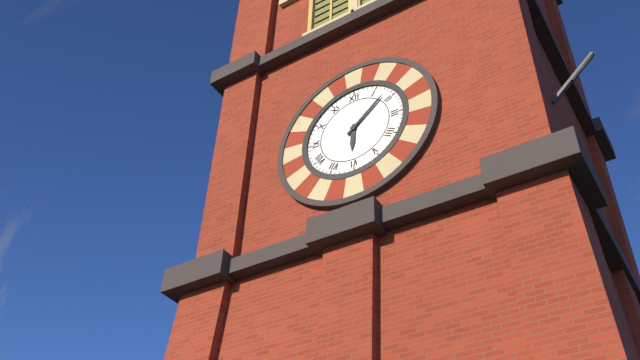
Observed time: **6:08**
